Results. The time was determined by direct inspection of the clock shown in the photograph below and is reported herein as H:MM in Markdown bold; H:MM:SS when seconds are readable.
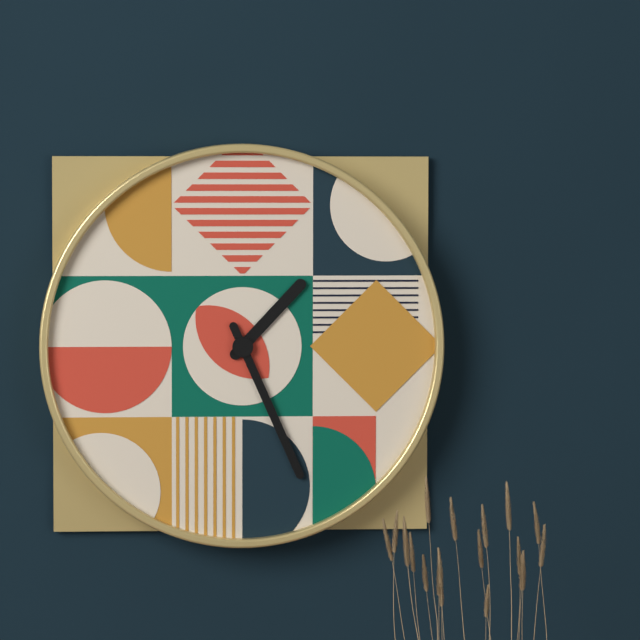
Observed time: **1:26**
